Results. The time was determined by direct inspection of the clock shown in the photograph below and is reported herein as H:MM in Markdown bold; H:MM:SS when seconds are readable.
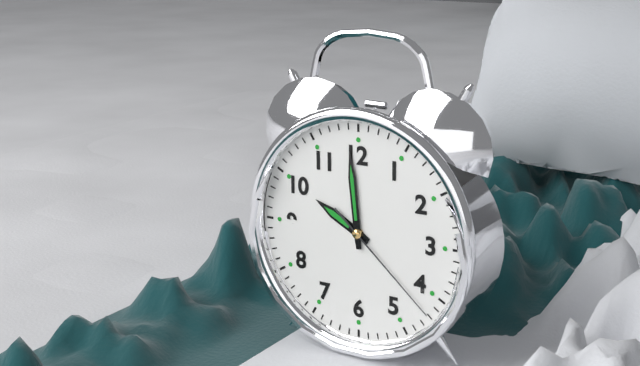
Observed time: **9:59:22**
